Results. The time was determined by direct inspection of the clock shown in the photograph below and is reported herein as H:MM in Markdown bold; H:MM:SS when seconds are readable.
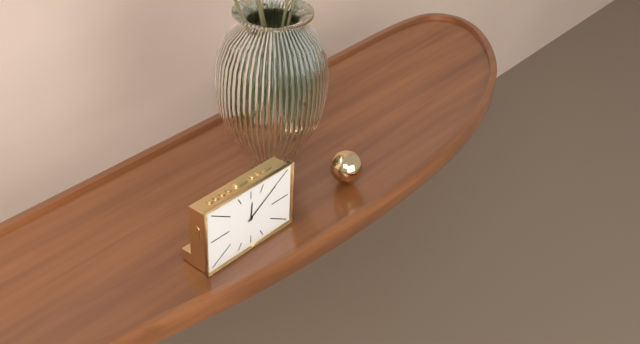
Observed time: **12:10**
